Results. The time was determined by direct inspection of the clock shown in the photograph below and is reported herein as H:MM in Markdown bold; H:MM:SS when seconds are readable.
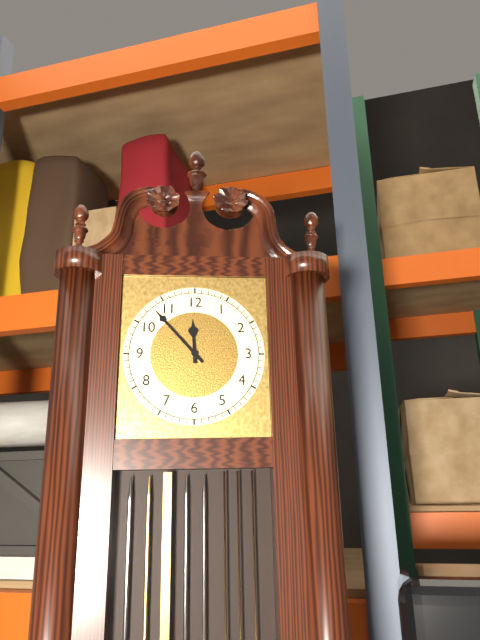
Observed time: **11:53**
